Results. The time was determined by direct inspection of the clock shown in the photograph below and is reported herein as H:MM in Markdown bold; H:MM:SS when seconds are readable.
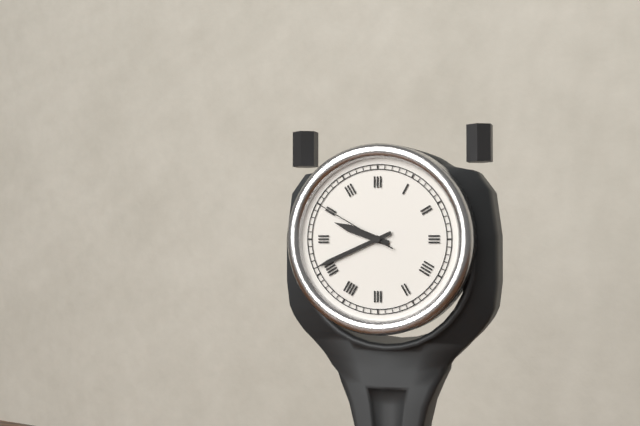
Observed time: **9:41:50**
